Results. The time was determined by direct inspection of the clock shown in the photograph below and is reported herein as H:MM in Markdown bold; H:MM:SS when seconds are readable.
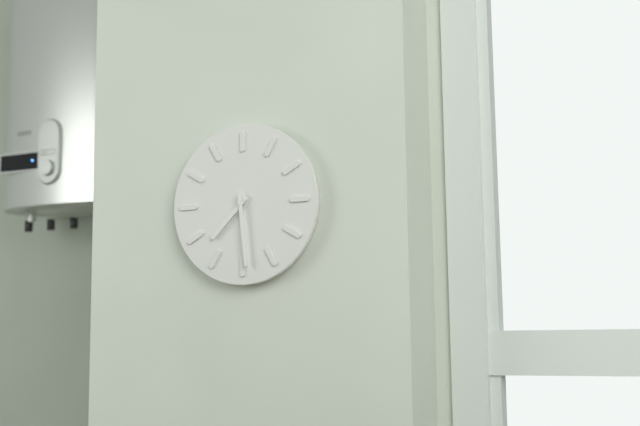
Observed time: **7:29**
